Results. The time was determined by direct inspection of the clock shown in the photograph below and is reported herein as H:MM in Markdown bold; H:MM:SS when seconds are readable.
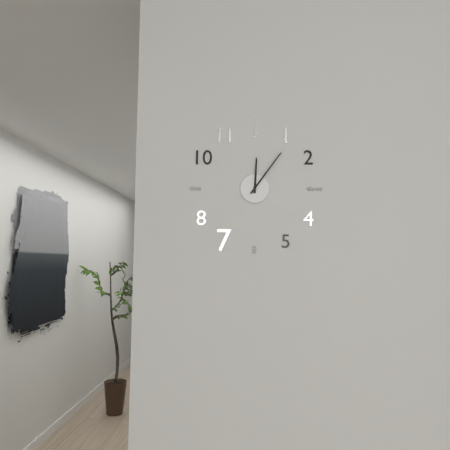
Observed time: **12:06**
